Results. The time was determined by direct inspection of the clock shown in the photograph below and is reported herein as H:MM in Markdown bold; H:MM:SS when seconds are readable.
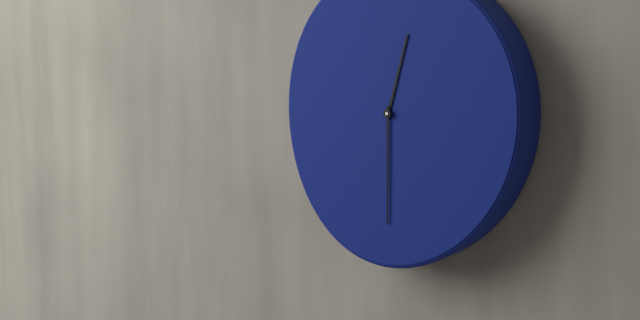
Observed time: **12:30**
